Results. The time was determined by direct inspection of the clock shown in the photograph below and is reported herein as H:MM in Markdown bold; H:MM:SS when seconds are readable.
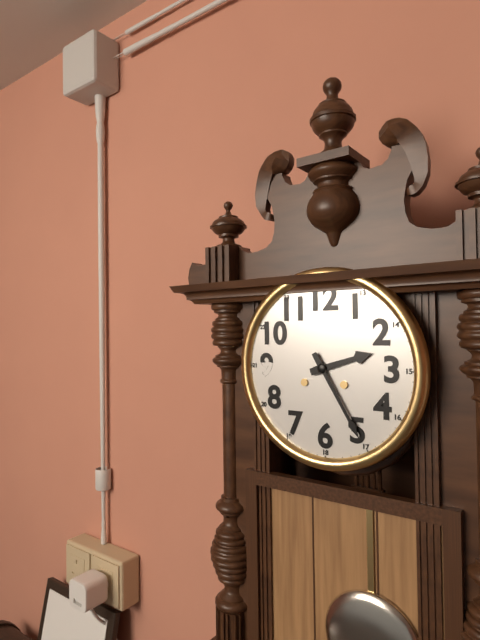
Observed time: **2:25**
